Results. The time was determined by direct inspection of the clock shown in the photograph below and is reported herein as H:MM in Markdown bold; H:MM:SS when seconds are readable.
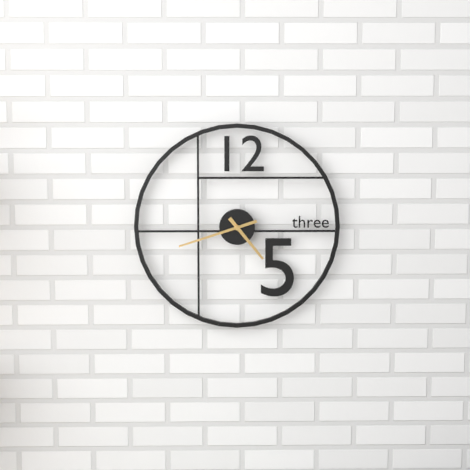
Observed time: **4:42**
